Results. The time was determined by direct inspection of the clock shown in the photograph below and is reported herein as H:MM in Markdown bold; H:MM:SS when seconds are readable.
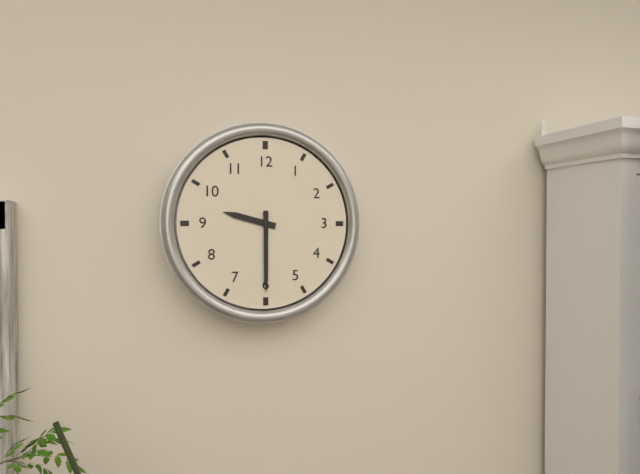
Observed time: **9:30**
